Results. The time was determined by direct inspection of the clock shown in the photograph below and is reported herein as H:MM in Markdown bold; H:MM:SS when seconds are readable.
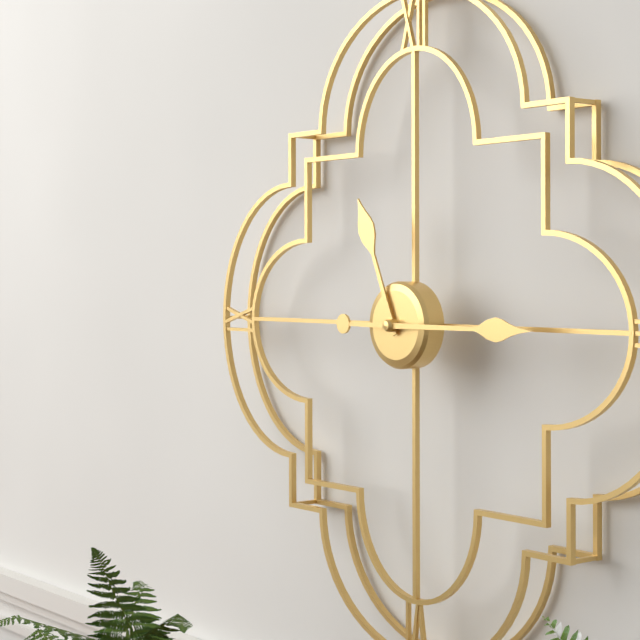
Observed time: **11:15**
